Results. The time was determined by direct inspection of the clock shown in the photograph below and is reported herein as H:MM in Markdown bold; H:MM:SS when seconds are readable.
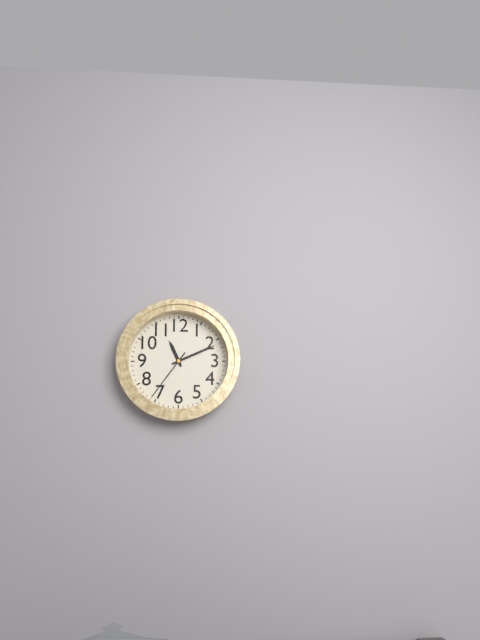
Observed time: **11:11:36**
